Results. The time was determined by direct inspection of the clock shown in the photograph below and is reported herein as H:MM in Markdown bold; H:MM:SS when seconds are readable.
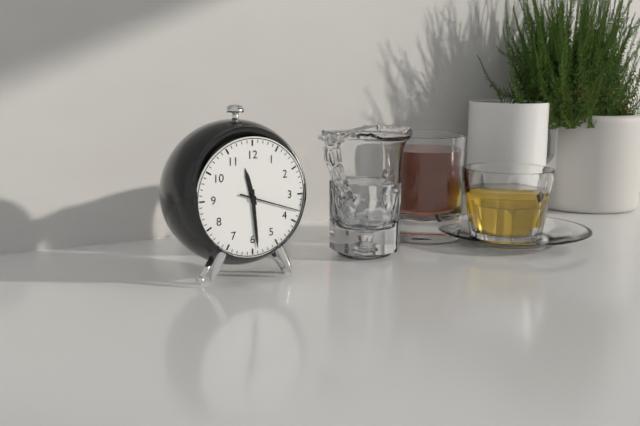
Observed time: **11:29:18**
